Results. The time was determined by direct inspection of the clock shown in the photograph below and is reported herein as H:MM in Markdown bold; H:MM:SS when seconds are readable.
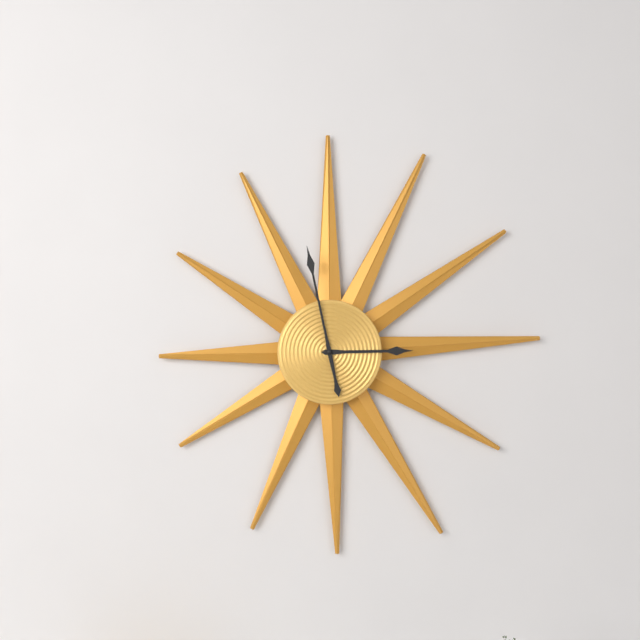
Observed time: **2:58**
